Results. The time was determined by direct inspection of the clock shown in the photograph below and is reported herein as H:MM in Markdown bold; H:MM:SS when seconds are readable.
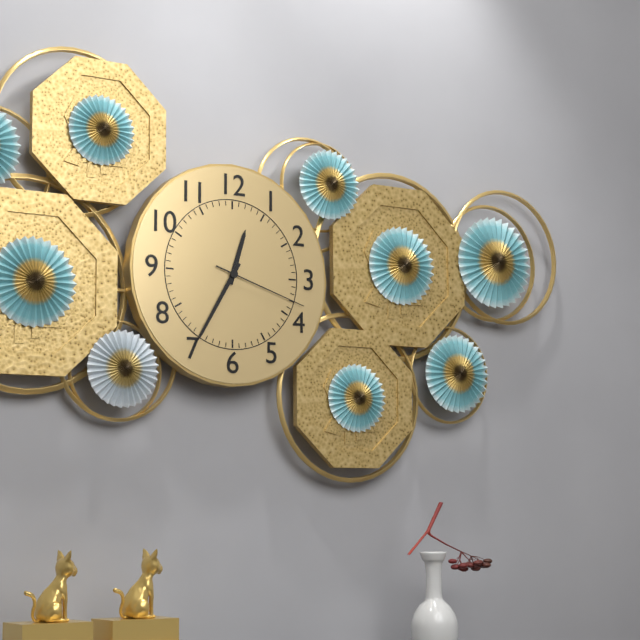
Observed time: **12:35:18**
